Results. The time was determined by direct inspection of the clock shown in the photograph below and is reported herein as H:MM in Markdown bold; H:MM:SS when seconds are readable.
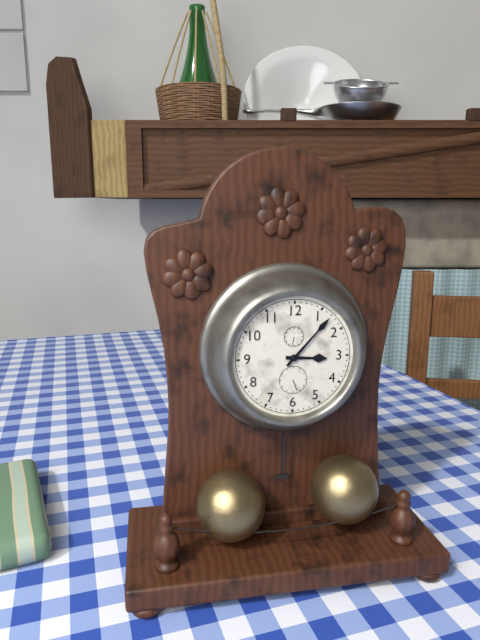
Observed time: **3:07**
